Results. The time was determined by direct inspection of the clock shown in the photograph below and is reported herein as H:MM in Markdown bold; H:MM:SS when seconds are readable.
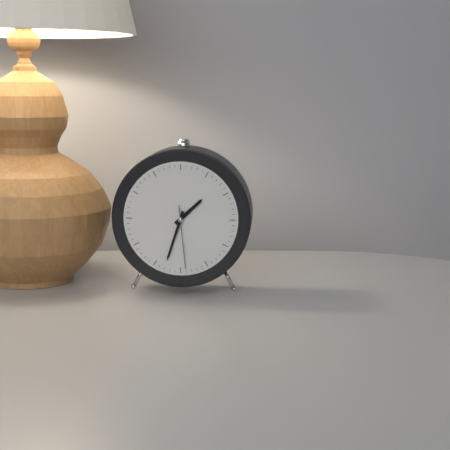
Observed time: **1:33:29**
